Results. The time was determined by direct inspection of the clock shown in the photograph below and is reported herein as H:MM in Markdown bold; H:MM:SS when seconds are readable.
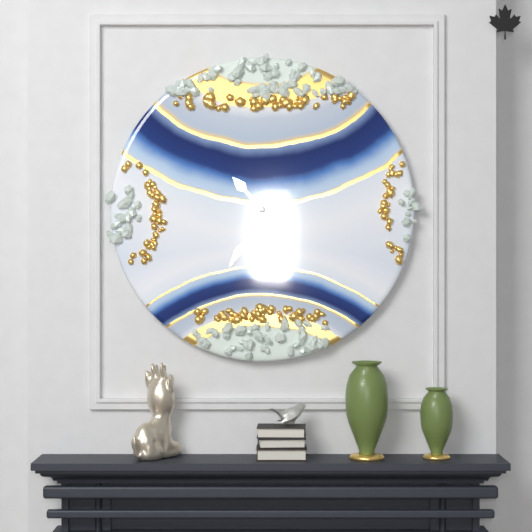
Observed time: **10:35**
